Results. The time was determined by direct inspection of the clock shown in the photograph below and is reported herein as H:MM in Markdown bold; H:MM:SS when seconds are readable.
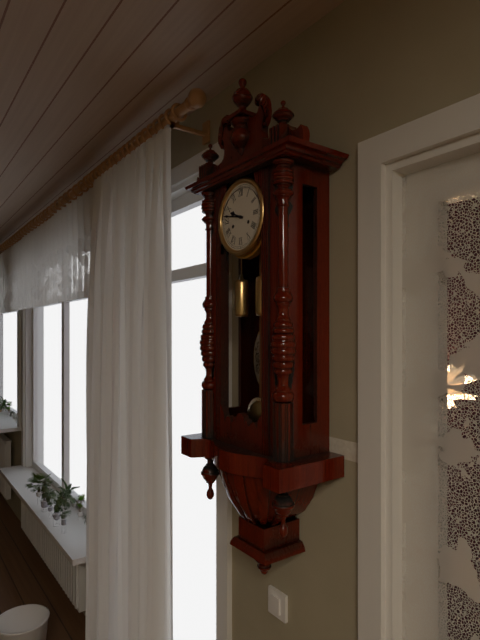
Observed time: **9:47**
